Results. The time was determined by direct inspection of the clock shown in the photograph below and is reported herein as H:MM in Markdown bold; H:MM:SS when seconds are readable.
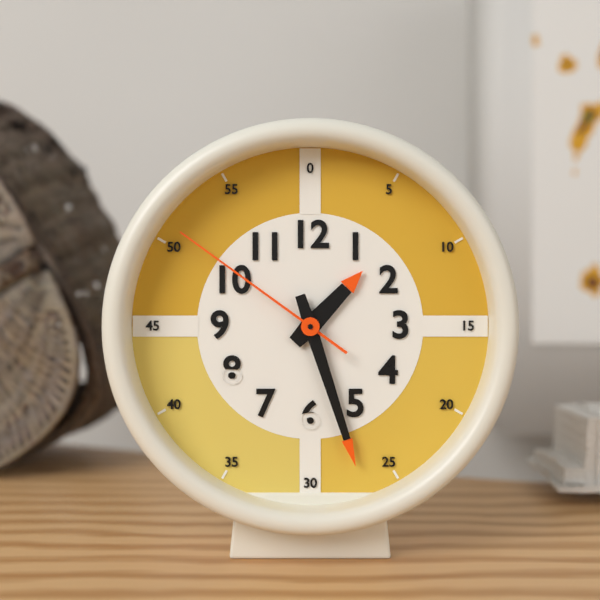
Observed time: **1:27:51**
